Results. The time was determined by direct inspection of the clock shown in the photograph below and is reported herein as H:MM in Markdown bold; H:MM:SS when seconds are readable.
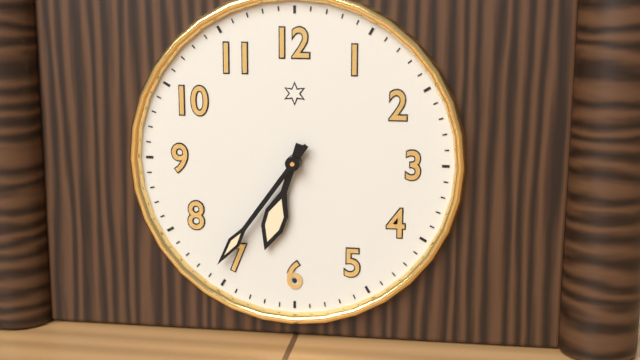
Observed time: **6:36**
